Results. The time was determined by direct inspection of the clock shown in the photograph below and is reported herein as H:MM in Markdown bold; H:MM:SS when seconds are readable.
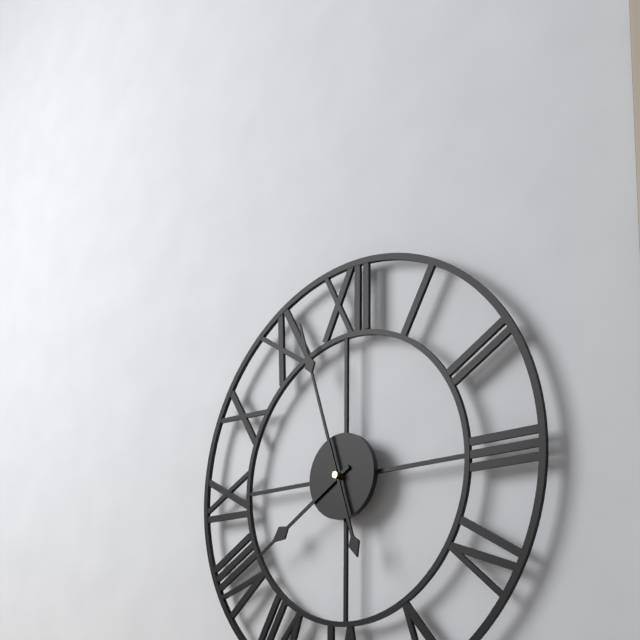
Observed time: **7:57**
